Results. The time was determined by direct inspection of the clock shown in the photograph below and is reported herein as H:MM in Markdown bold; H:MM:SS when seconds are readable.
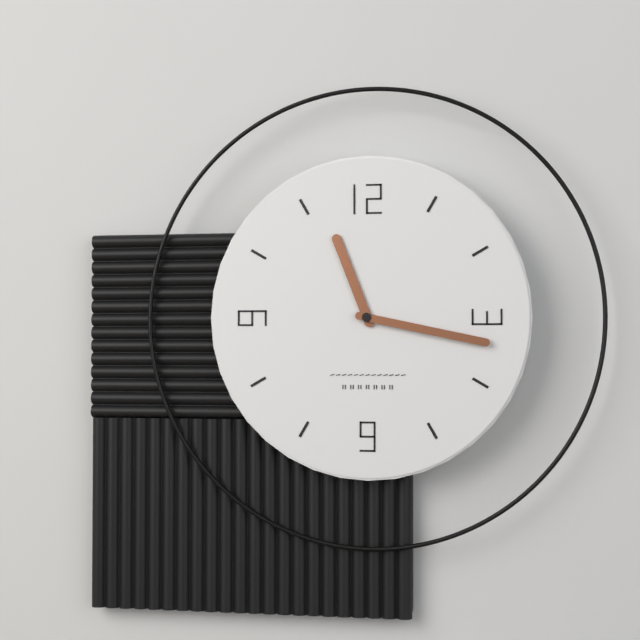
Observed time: **11:17**
